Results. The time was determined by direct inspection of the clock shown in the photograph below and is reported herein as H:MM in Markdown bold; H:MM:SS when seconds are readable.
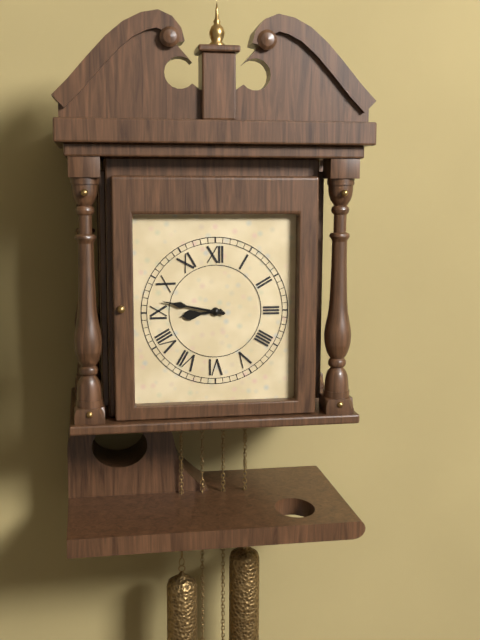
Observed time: **8:47**
